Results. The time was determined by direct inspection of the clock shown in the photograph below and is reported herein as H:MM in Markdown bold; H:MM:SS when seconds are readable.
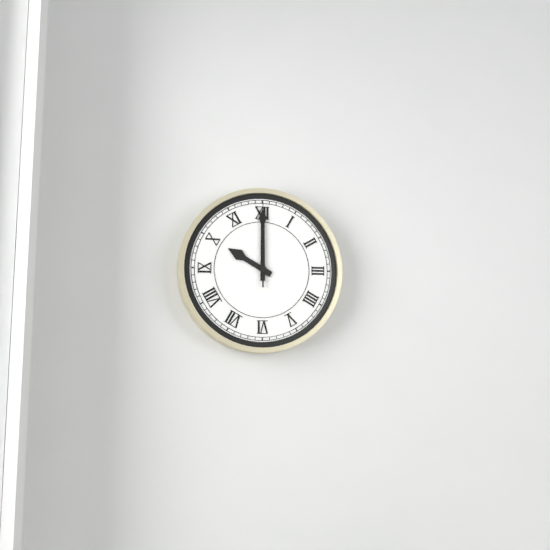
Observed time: **10:00:00**
